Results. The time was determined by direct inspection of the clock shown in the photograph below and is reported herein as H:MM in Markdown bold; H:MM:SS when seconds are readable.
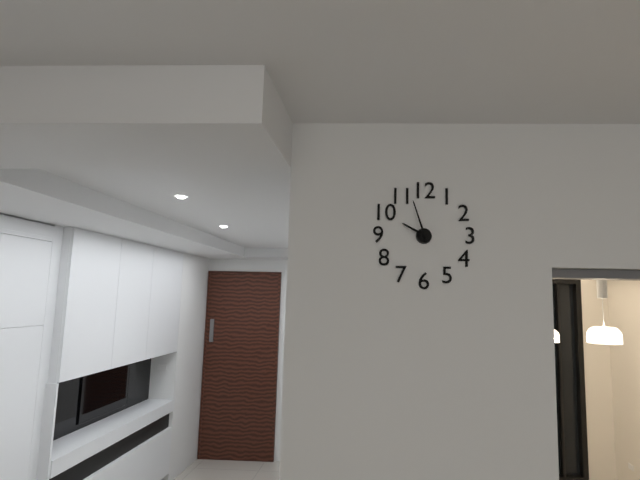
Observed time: **9:57**
